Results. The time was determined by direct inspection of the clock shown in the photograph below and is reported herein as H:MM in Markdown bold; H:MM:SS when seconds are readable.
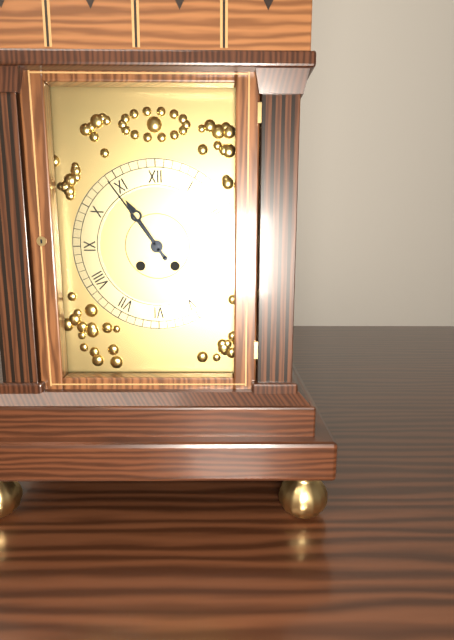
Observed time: **10:54**
